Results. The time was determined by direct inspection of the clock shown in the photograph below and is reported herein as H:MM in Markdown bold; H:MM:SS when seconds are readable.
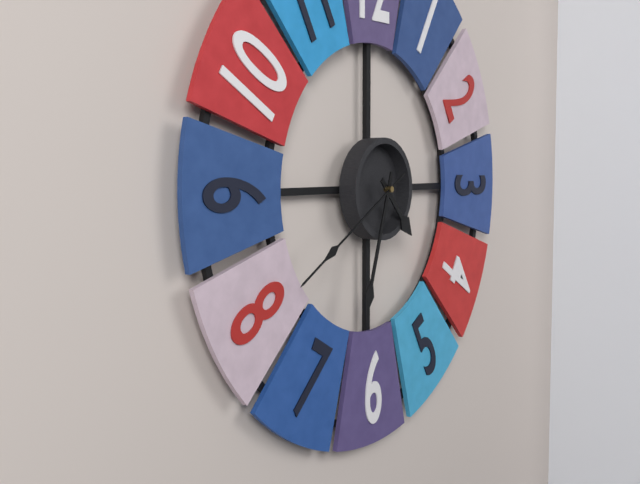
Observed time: **4:33:40**
